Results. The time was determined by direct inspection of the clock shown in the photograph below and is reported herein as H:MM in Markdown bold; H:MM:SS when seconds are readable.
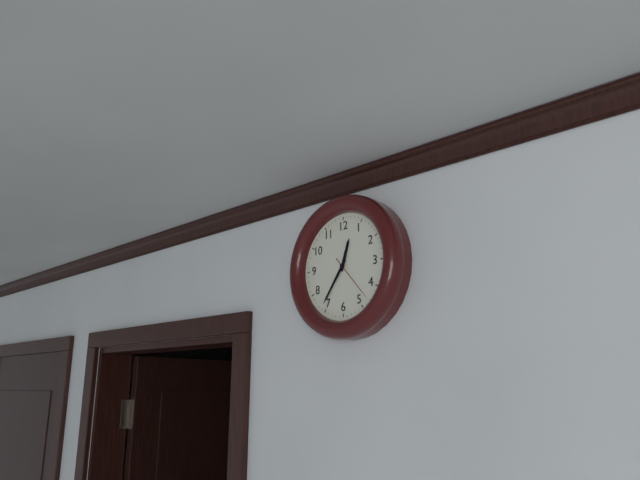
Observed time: **12:36:23**
